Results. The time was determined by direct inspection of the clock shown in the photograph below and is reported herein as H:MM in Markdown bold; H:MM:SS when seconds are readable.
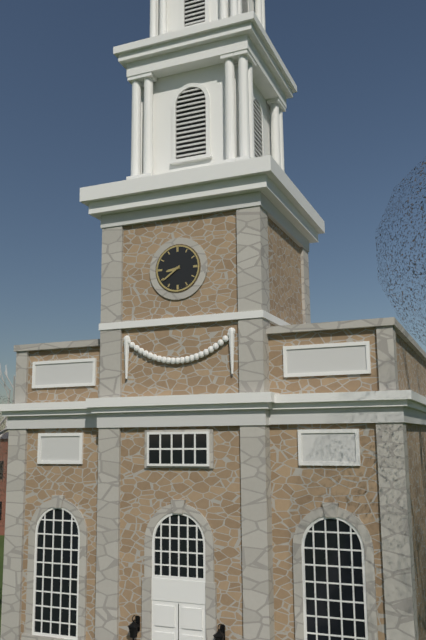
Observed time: **8:39**
